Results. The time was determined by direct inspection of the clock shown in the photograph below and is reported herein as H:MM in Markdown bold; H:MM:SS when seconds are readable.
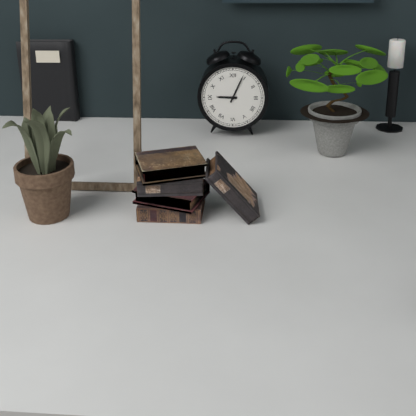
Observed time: **9:04**
